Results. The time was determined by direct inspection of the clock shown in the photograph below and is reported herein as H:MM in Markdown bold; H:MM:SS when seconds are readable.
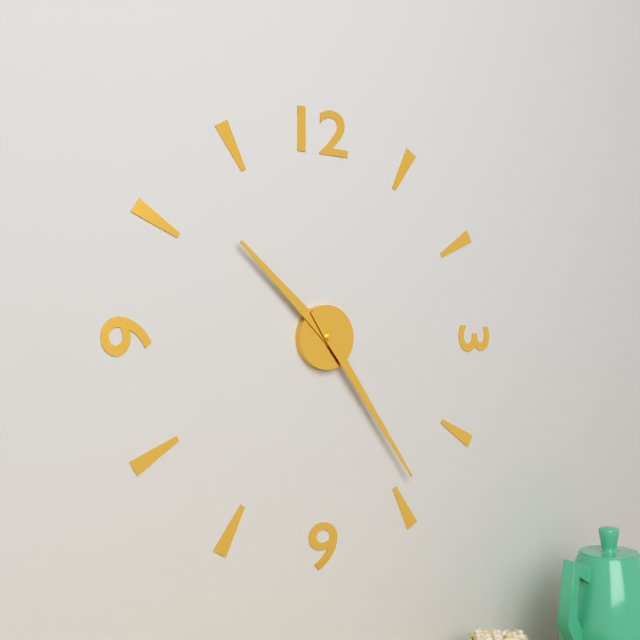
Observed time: **10:24**
